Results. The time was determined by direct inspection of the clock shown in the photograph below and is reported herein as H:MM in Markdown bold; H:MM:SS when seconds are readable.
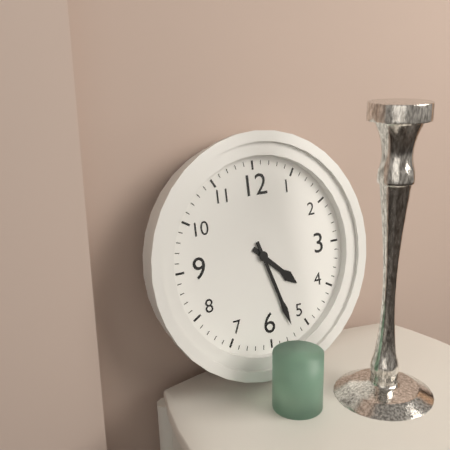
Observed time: **4:27**
